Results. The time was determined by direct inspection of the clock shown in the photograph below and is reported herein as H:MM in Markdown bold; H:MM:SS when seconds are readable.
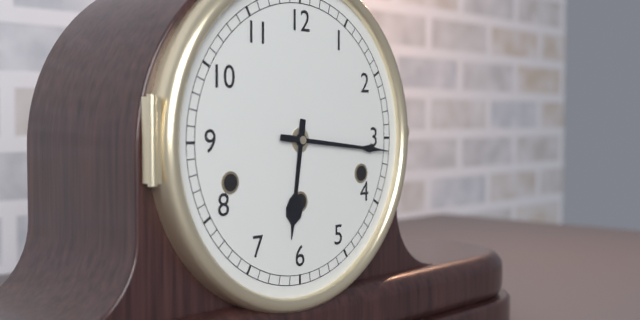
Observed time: **6:16**
